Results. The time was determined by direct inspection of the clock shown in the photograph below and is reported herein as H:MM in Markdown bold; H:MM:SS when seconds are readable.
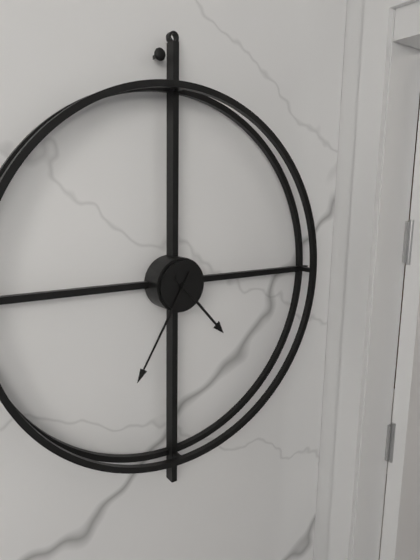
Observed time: **4:35**
